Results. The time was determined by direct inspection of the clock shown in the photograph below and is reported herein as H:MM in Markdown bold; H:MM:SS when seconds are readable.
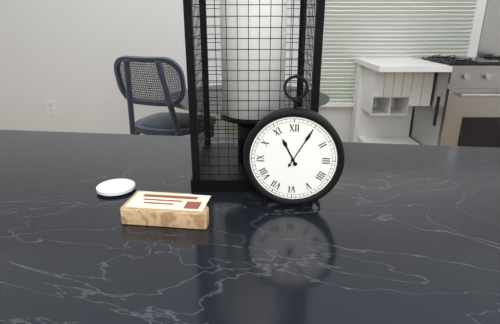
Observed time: **11:05**
